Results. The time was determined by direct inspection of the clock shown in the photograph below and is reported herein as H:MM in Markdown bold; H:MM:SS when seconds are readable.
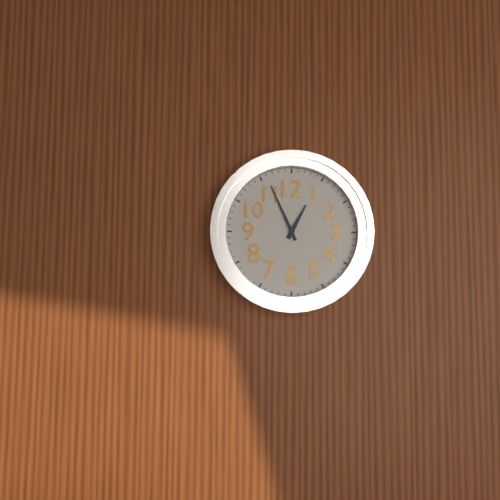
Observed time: **12:56**
